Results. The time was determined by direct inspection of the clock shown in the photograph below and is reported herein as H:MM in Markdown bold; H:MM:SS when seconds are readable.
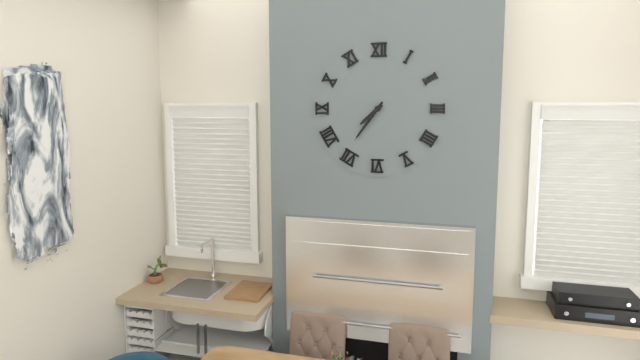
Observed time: **7:36**
